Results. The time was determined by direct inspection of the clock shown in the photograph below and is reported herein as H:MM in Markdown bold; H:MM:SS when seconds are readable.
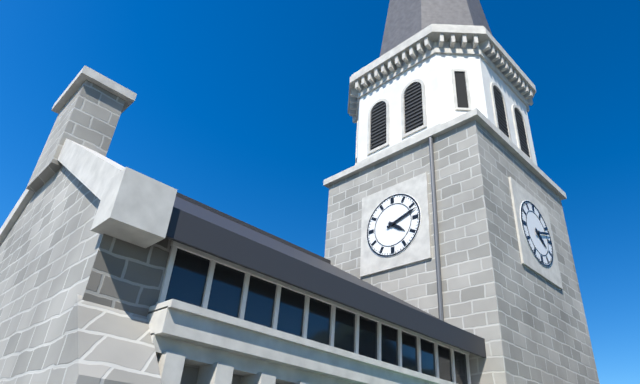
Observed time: **4:12**
